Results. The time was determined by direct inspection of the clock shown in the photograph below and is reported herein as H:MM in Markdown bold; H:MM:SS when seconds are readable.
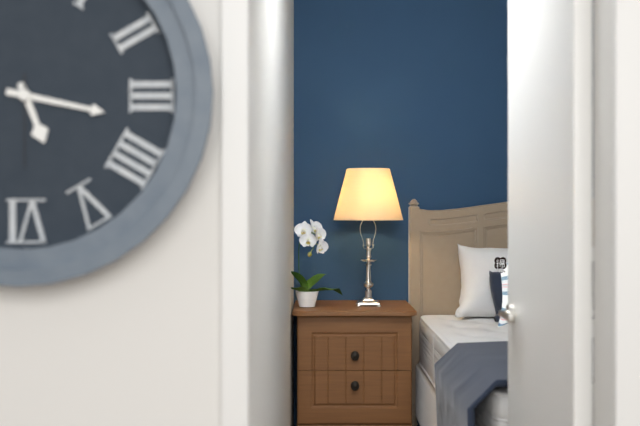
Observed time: **5:17:30**
